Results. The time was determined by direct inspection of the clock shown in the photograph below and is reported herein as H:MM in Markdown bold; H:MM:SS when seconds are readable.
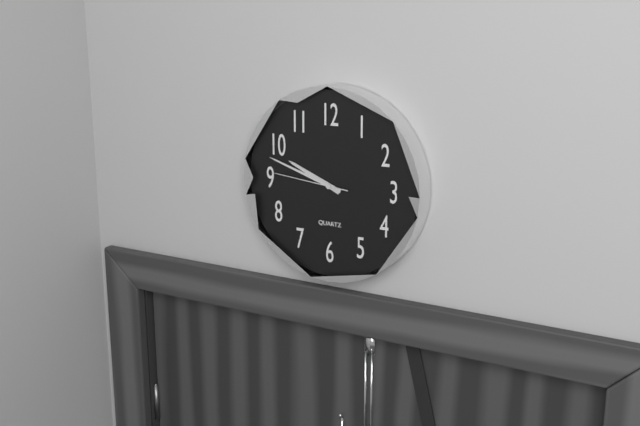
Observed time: **9:48:46**
